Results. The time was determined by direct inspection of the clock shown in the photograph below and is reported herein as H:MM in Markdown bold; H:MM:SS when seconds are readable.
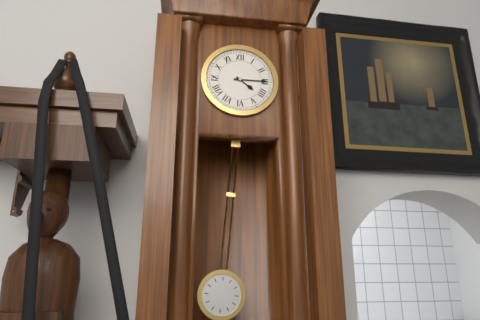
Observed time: **4:15**
